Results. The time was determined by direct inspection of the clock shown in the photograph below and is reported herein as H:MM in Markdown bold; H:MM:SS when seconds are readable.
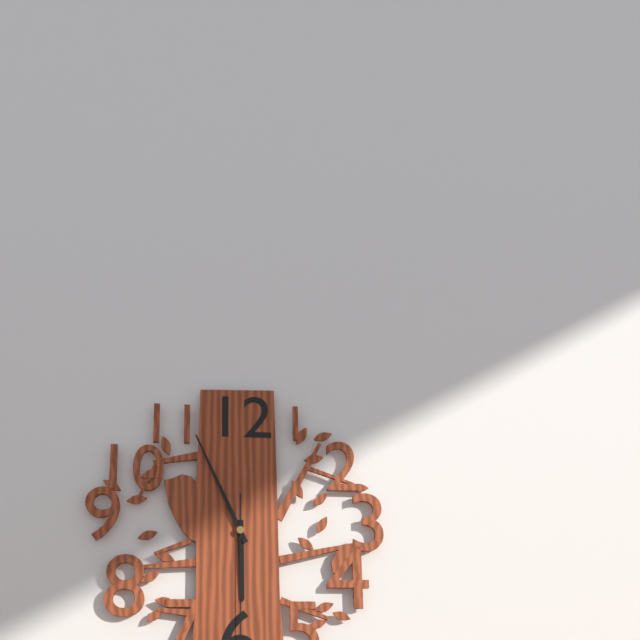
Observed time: **5:56**
